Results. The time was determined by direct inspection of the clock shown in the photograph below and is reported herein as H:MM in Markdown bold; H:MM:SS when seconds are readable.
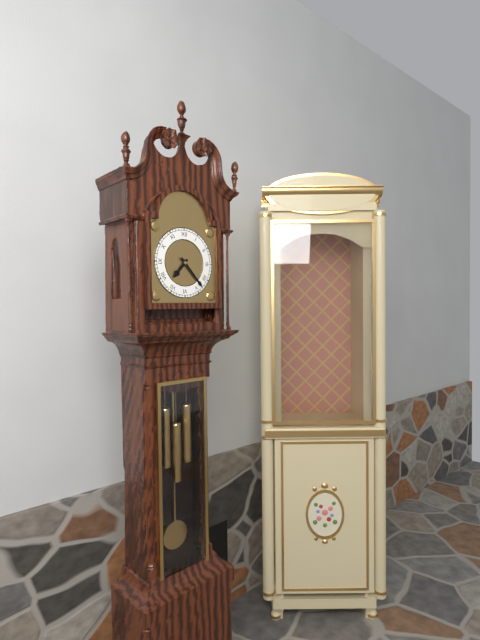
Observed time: **7:23**
